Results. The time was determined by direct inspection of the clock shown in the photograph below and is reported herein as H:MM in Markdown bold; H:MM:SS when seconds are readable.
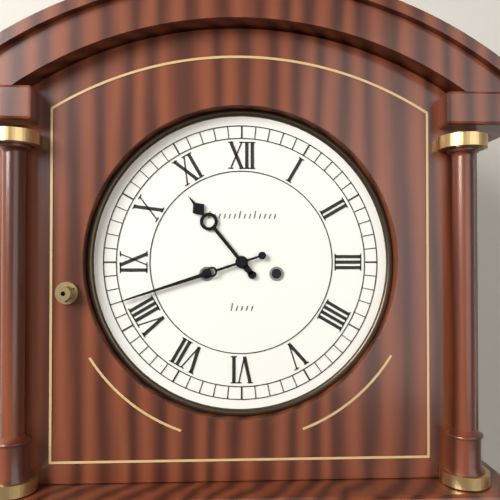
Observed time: **10:42**
